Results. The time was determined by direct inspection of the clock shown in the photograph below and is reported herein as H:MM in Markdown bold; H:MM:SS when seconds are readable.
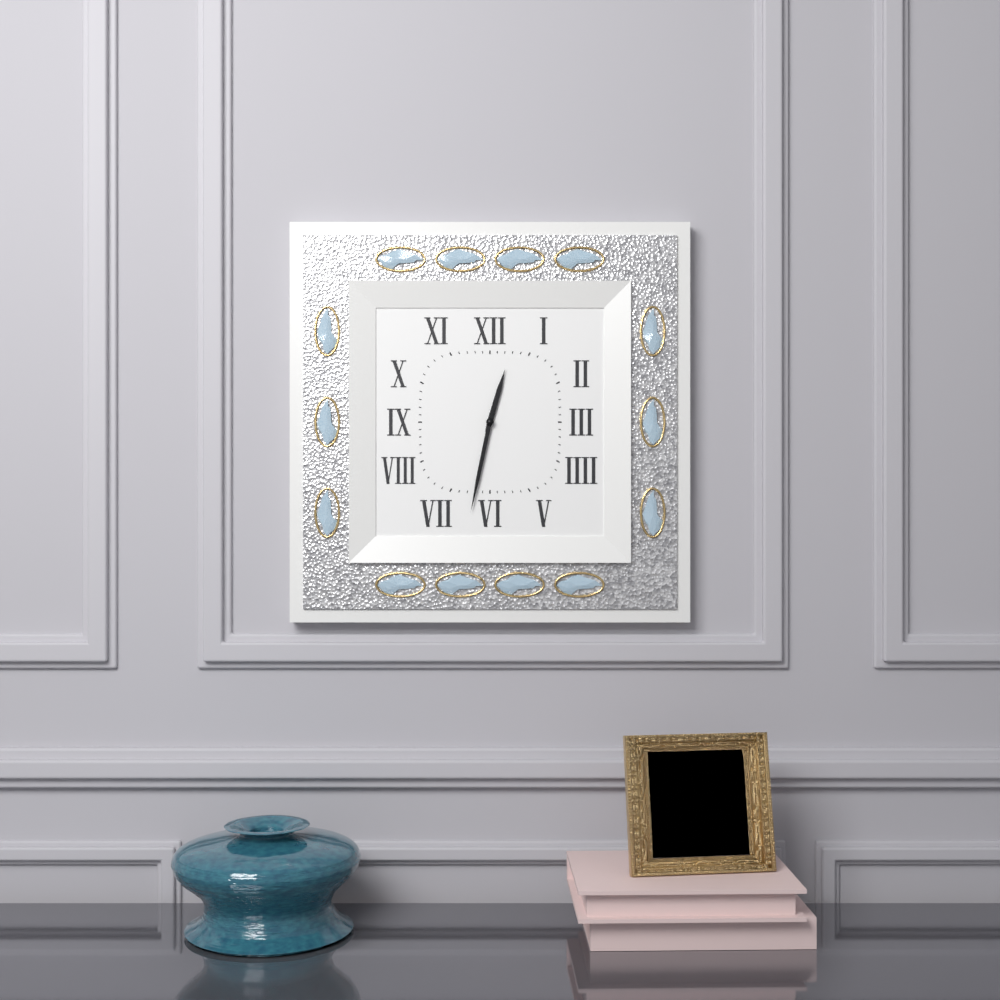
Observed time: **12:32**
